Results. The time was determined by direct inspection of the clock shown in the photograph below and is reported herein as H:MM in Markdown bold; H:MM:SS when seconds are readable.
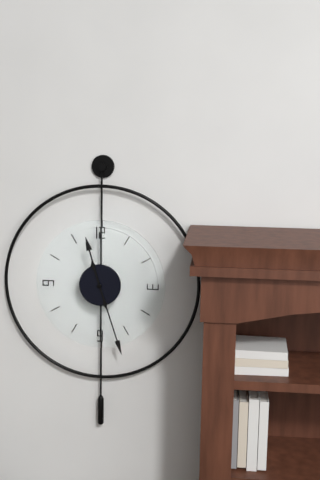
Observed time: **11:27**
